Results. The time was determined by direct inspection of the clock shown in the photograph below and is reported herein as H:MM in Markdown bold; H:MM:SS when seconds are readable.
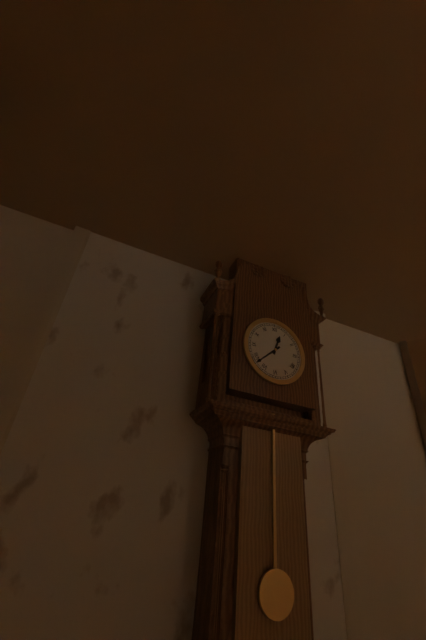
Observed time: **12:38**
